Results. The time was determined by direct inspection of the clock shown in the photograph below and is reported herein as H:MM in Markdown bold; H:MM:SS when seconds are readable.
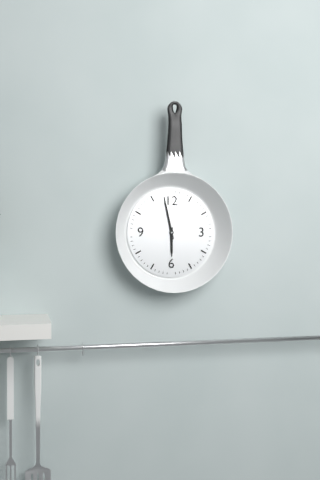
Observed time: **5:58**
